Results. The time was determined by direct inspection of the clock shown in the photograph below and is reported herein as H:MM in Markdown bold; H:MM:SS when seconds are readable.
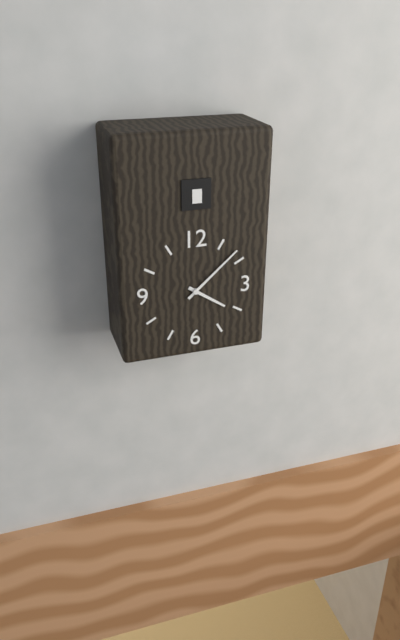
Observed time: **4:08**
